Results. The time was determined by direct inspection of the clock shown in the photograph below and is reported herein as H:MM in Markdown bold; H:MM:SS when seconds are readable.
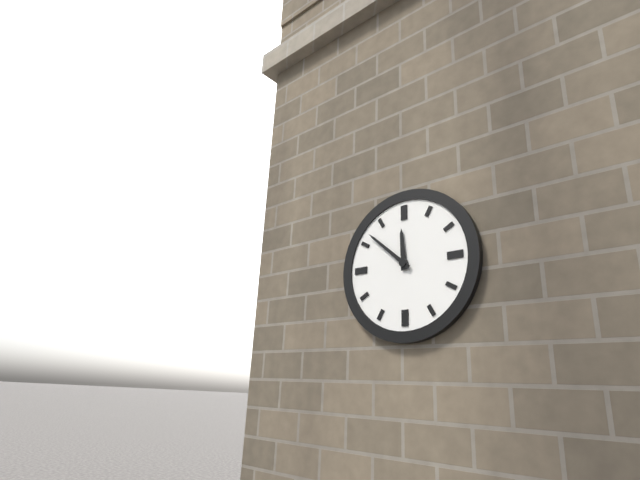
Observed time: **11:52**
